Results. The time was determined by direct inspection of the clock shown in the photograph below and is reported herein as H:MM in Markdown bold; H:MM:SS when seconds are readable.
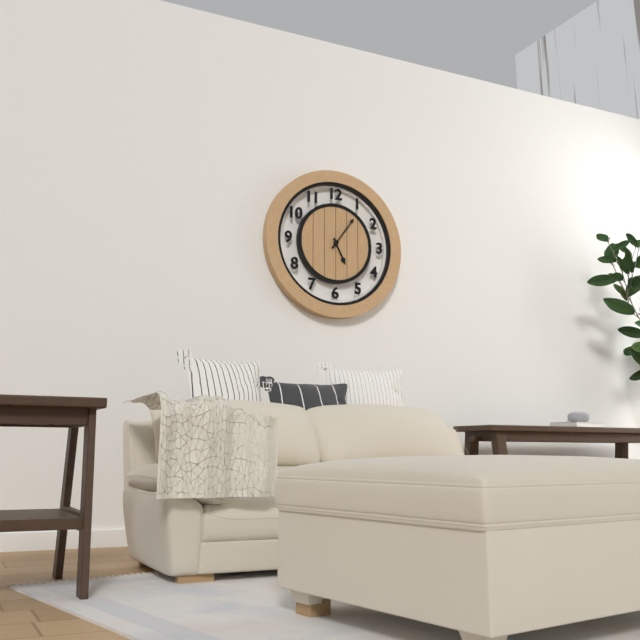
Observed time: **5:06**
